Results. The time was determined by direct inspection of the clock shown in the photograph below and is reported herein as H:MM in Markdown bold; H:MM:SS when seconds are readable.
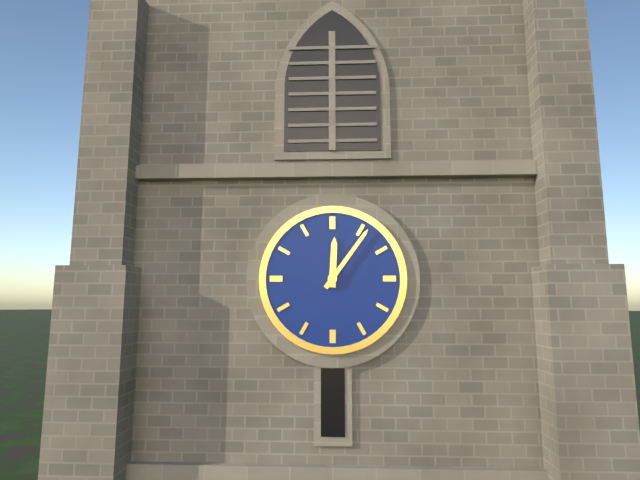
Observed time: **12:06**
